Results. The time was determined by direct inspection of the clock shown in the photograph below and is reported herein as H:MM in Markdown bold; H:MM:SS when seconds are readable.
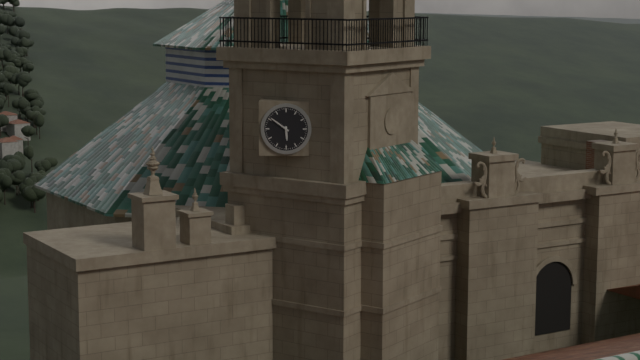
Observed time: **5:51**
